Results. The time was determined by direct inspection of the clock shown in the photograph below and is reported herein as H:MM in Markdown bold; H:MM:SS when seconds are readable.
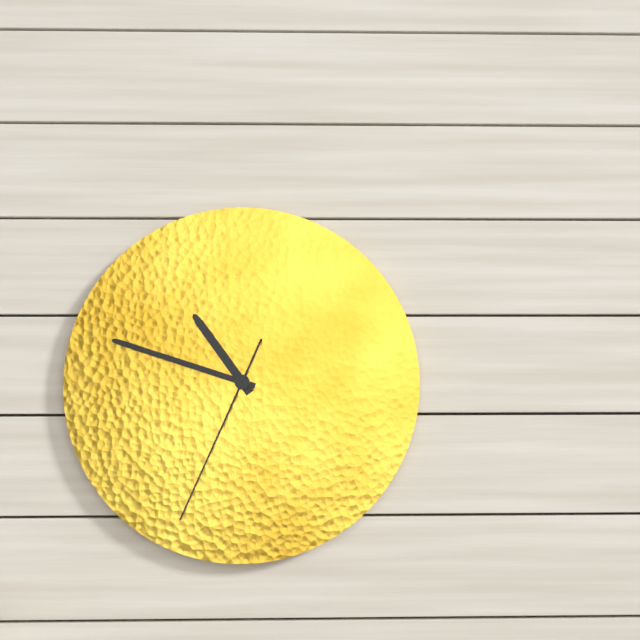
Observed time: **10:48:34**
